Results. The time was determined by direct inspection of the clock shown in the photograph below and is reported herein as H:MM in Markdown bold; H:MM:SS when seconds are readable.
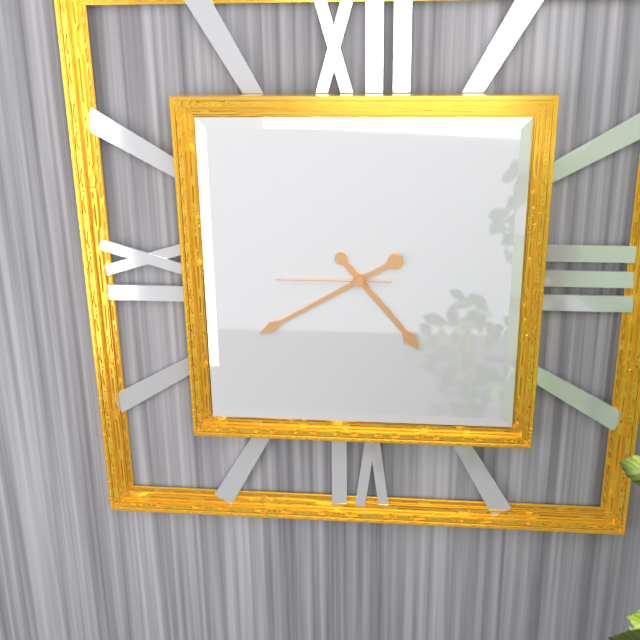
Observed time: **4:40:45**
